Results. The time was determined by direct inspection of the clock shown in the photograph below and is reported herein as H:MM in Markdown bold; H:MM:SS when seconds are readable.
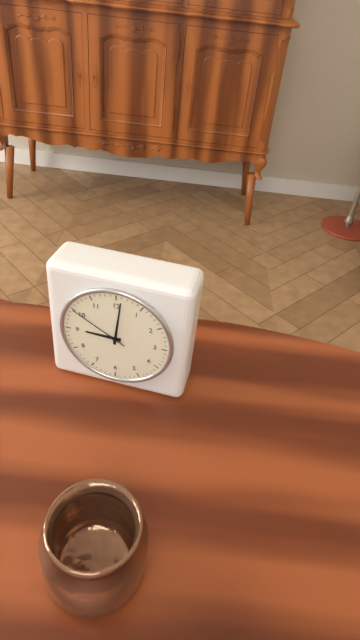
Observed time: **9:01:50**
